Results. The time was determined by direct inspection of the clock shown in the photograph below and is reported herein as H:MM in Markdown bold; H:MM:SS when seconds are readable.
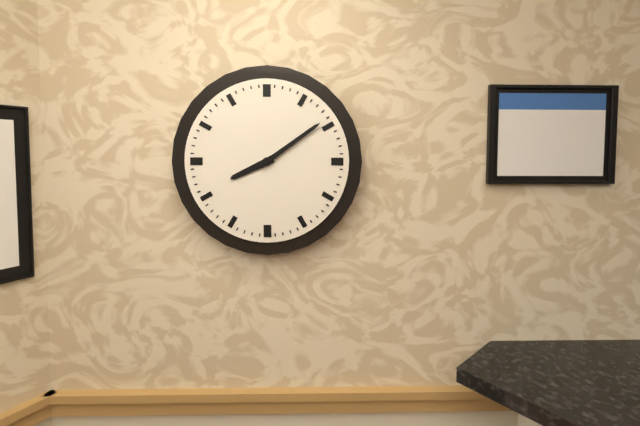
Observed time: **8:09**
